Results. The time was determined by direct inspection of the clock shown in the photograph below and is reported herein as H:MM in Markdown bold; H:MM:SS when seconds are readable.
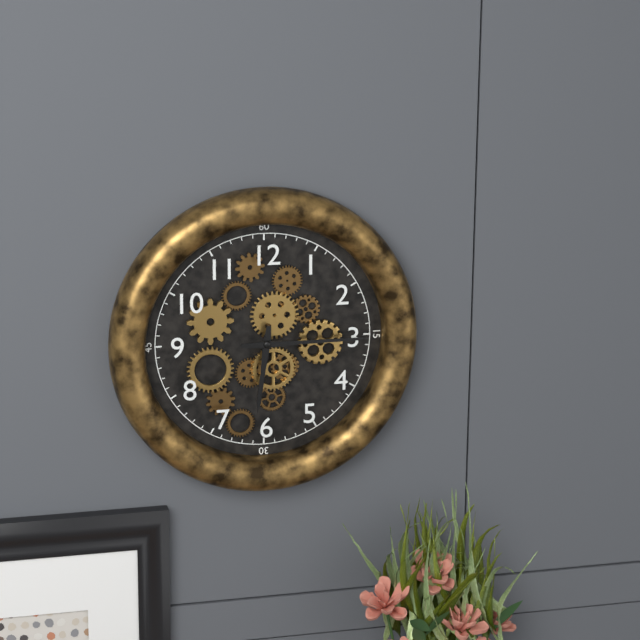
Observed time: **6:15**
